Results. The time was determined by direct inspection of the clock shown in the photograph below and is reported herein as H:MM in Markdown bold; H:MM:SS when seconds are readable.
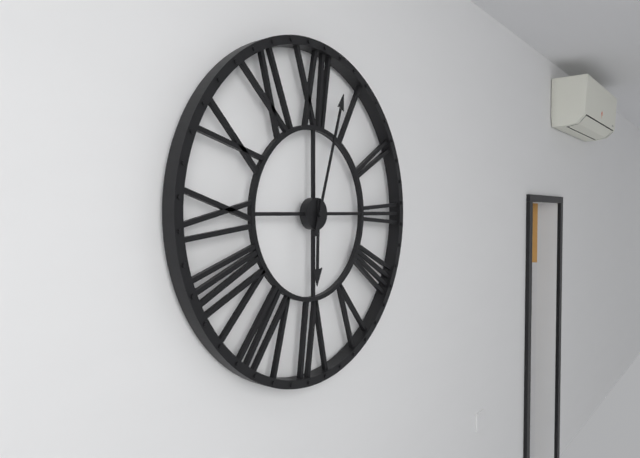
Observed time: **6:03**
